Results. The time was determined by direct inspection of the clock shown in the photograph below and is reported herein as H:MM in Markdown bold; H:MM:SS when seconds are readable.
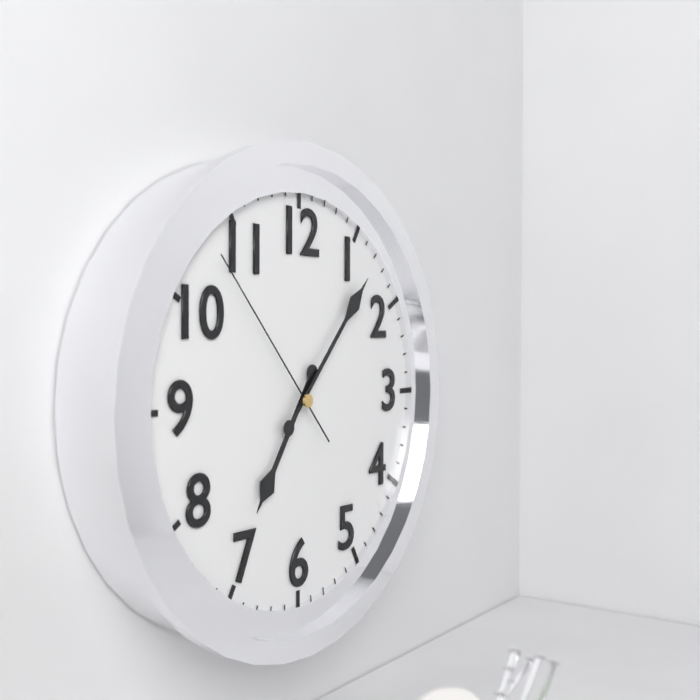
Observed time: **7:07:53**
